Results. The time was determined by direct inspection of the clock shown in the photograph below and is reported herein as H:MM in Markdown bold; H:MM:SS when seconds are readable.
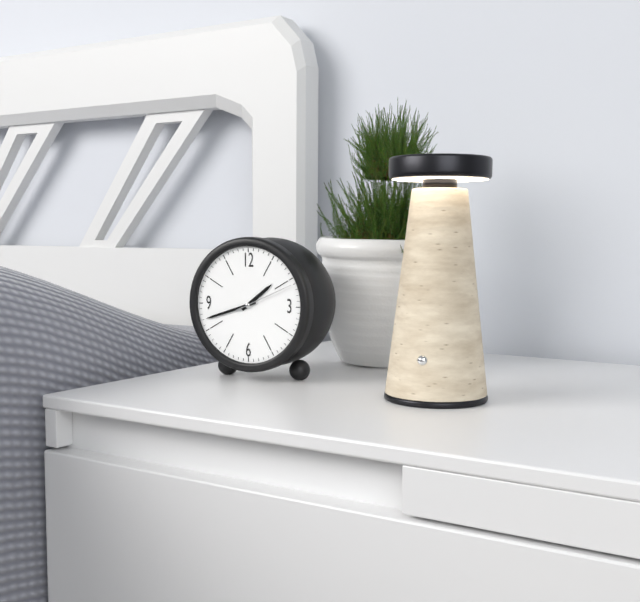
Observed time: **1:42:11**
